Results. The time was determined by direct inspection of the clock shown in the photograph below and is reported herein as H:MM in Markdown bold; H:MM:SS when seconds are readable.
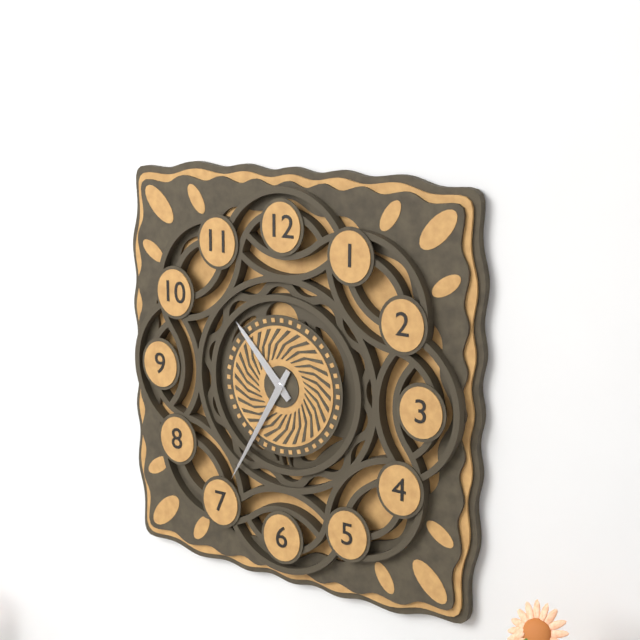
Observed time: **10:35**
